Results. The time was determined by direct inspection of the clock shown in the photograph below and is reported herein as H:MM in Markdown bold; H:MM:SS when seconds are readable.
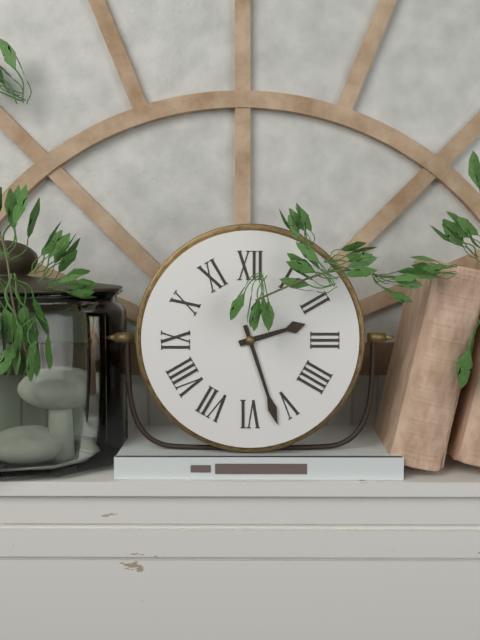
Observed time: **2:27**
